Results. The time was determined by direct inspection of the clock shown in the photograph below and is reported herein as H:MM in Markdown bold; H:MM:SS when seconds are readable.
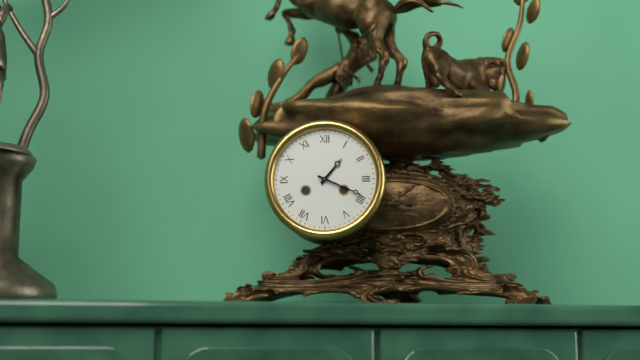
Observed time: **1:19**
